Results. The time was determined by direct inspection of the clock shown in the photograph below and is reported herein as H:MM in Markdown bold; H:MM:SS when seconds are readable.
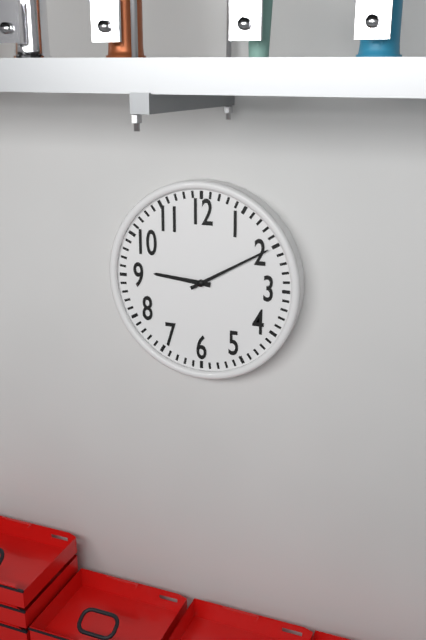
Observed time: **9:10**
